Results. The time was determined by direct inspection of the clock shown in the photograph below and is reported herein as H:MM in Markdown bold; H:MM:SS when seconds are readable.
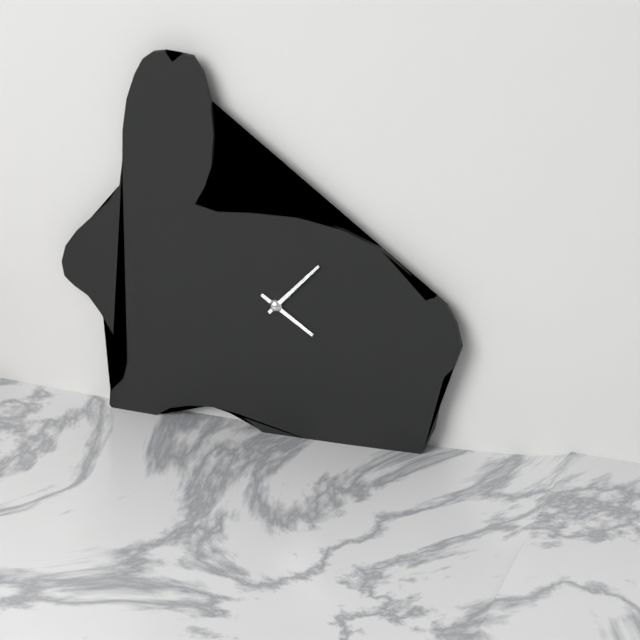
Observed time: **4:07**
